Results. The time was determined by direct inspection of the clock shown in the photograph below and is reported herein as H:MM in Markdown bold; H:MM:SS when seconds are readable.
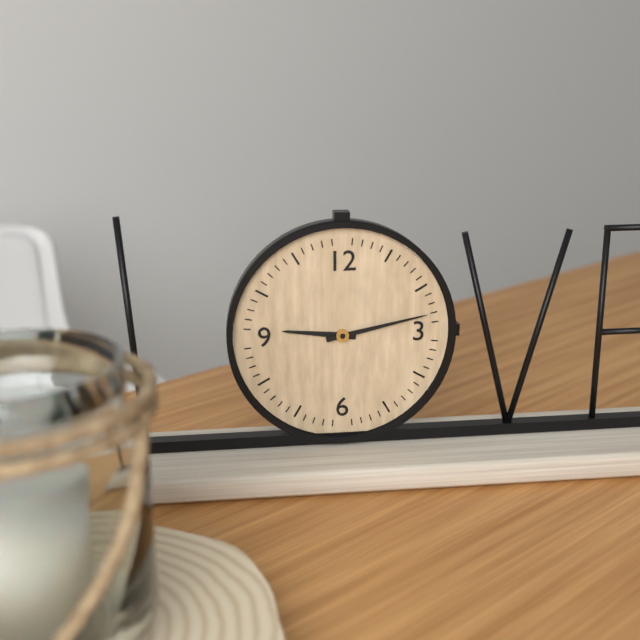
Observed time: **9:13**
